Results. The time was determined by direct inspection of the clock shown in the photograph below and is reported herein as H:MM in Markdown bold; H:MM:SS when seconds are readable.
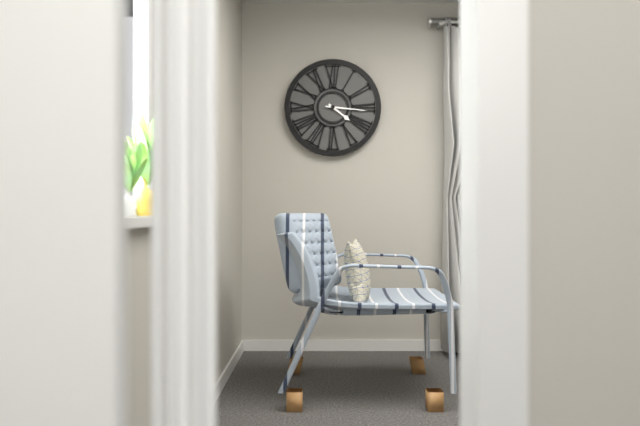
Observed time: **4:16**
